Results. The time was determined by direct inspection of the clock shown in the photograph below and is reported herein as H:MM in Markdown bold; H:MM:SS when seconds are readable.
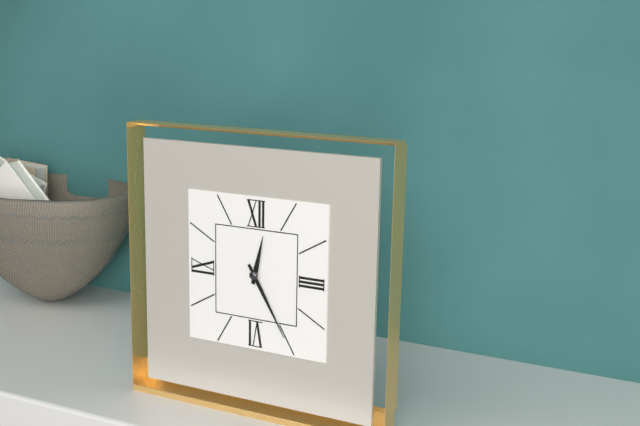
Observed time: **12:25**
